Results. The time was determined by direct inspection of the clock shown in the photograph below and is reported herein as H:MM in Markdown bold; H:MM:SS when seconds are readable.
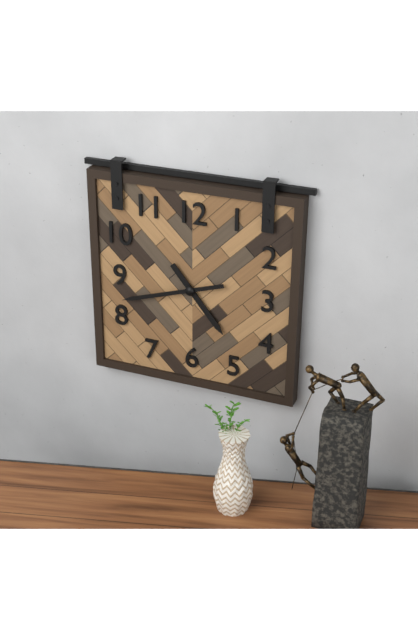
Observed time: **4:42**
